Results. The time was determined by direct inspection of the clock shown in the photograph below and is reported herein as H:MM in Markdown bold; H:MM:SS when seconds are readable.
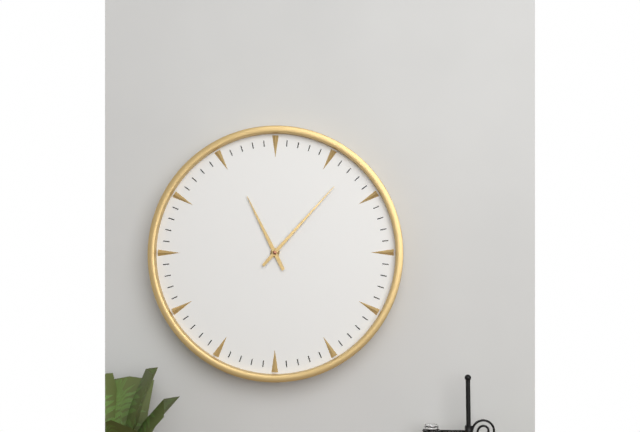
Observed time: **11:07**
